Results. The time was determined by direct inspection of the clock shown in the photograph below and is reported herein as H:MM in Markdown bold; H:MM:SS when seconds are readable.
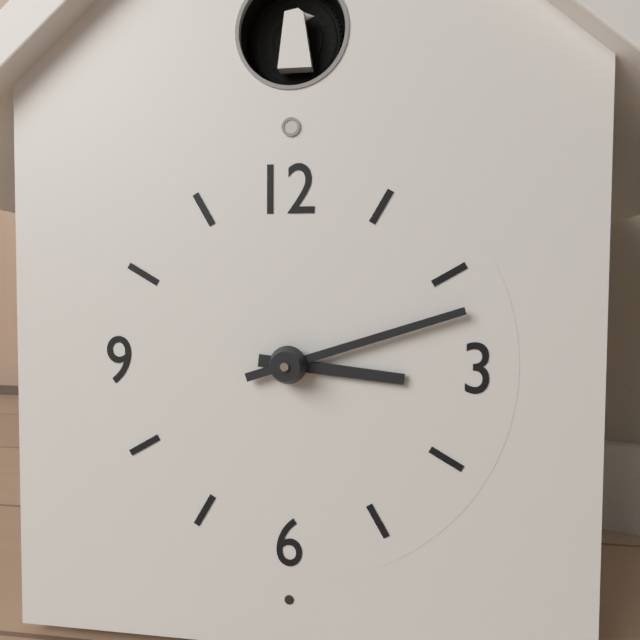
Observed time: **3:12**
